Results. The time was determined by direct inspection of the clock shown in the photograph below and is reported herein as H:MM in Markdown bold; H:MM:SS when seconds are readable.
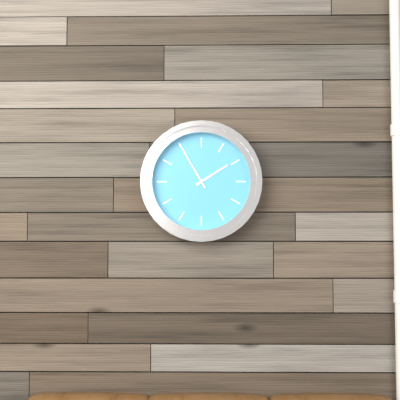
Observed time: **1:55**
